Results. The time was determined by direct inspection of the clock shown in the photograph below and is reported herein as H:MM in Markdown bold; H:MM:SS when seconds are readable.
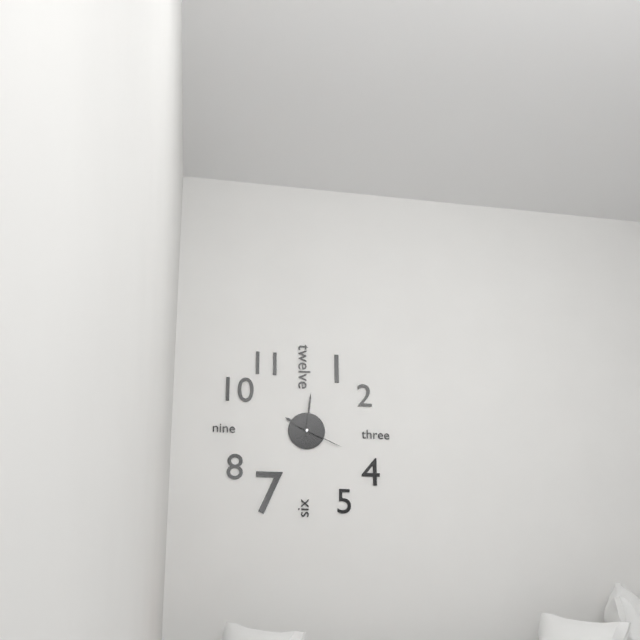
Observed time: **10:01**
